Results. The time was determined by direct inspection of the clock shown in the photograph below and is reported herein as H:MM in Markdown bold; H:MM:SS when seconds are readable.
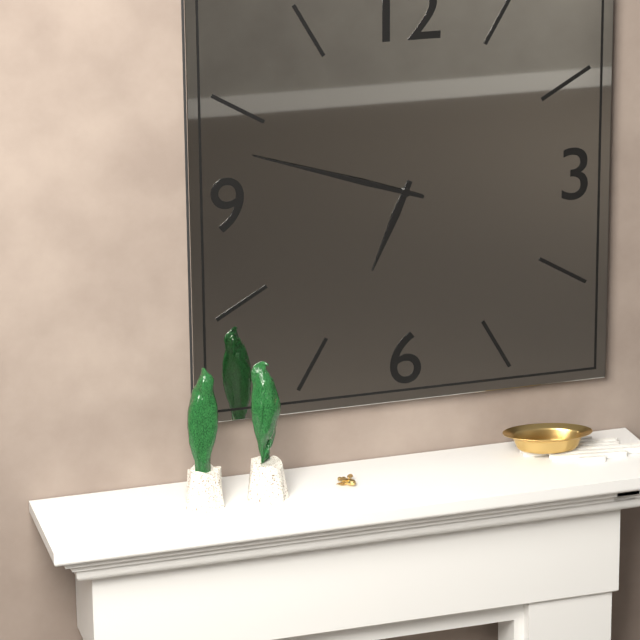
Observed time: **6:48**
